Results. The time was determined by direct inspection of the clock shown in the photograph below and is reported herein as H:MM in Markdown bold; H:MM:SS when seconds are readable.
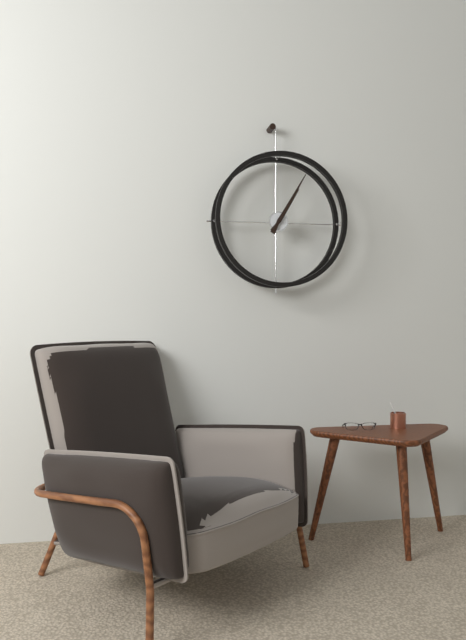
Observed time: **1:05**
